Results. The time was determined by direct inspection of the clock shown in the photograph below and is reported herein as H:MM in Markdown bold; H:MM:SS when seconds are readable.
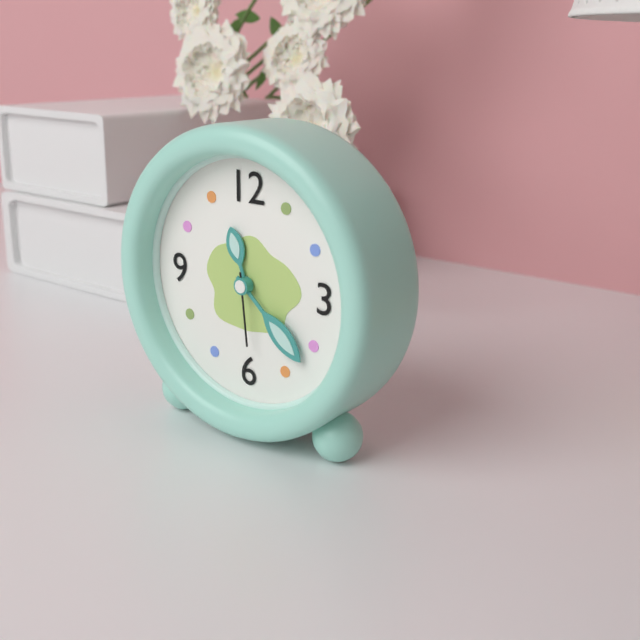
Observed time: **11:22:29**
